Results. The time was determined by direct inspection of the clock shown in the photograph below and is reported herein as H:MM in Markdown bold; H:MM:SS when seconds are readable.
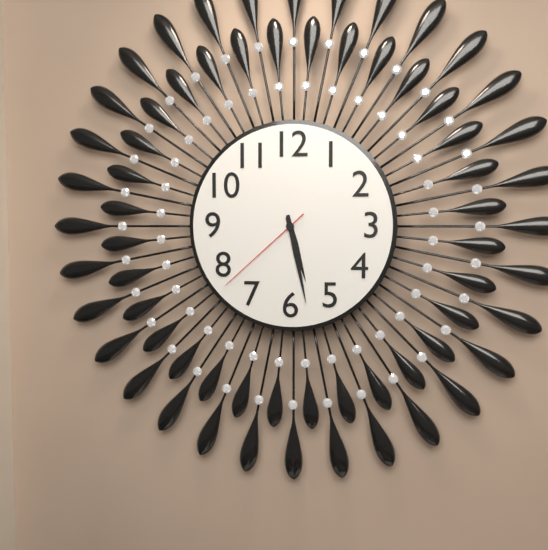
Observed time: **5:28:38**
